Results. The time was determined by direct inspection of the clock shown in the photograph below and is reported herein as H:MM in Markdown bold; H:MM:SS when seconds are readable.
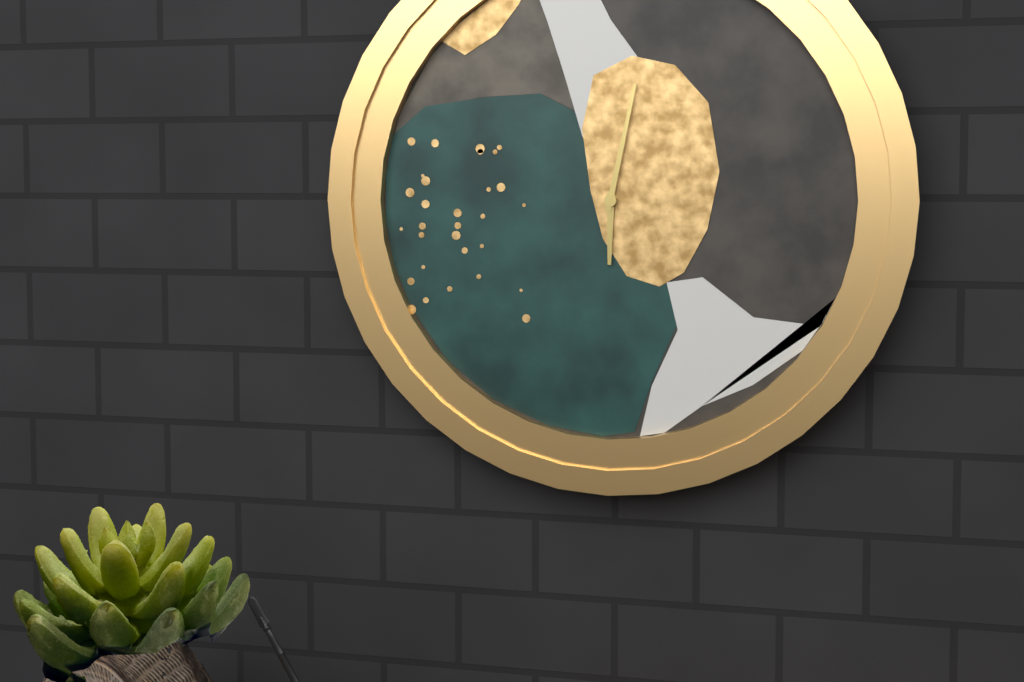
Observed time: **6:02**
